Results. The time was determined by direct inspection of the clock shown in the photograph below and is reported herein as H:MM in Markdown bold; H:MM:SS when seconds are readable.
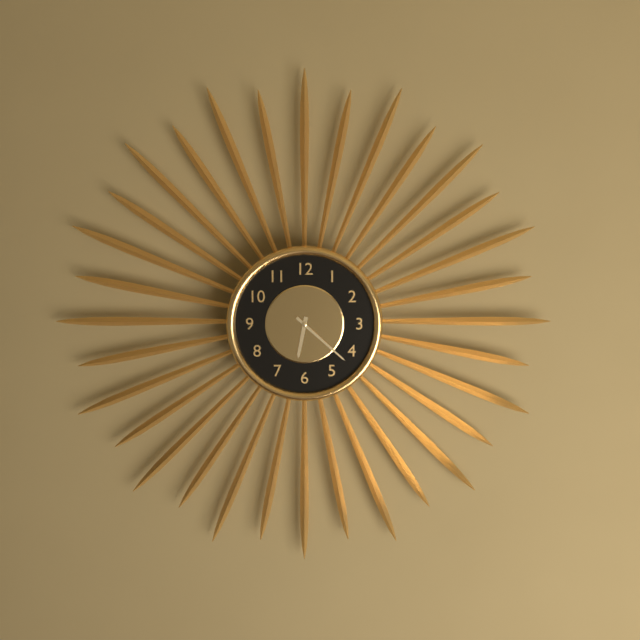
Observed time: **6:22**
